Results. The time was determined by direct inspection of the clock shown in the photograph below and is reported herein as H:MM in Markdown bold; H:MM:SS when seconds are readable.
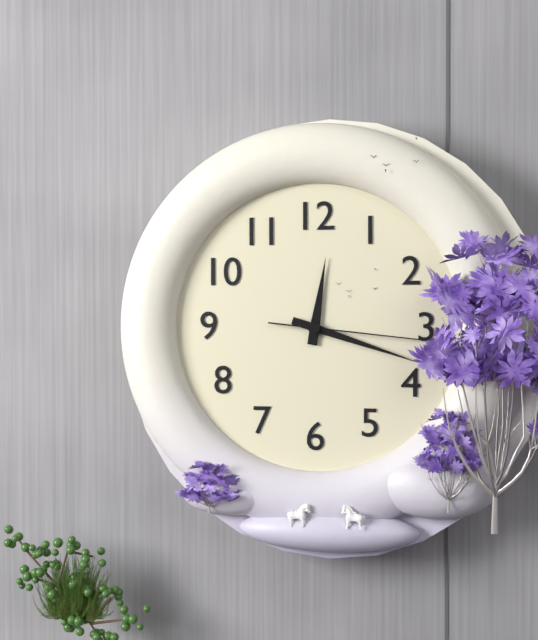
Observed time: **12:18:16**
